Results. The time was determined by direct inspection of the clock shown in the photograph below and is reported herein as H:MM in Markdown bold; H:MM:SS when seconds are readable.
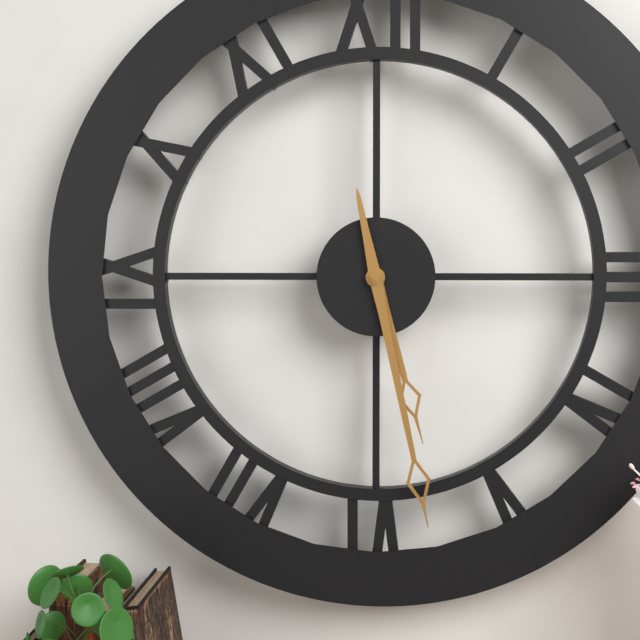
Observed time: **5:28**
